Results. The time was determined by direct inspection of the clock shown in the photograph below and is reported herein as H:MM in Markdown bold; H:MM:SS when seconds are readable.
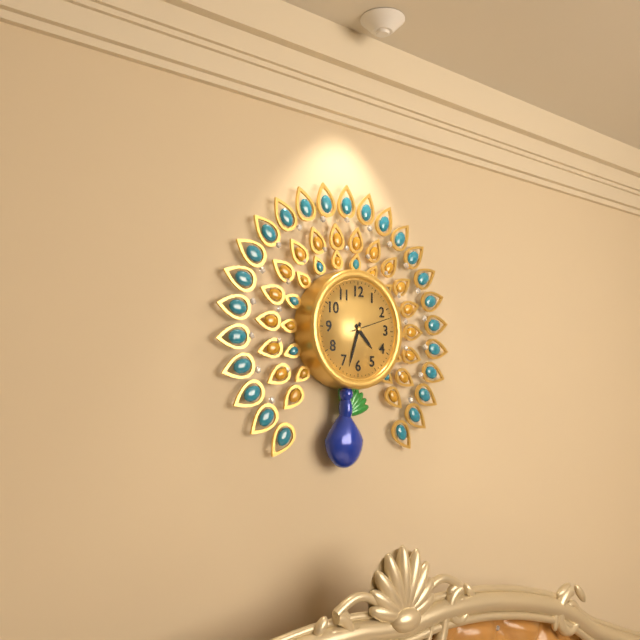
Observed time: **4:33**
